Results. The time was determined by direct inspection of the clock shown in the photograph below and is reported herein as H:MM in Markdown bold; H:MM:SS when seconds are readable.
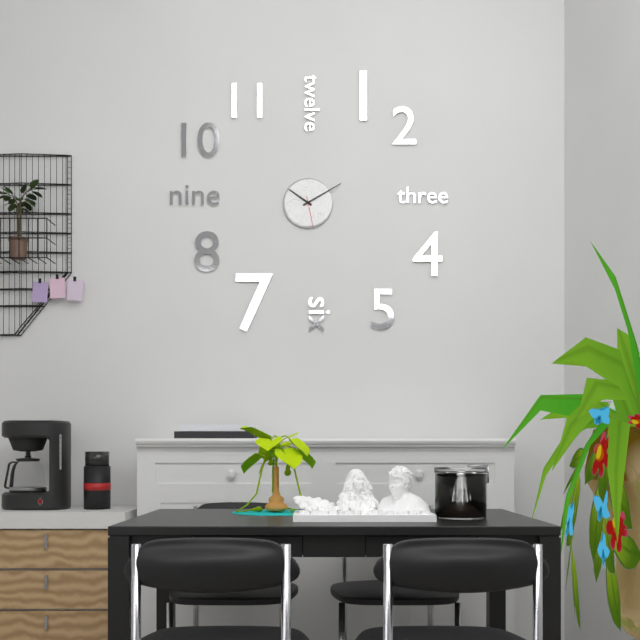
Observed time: **10:10**
